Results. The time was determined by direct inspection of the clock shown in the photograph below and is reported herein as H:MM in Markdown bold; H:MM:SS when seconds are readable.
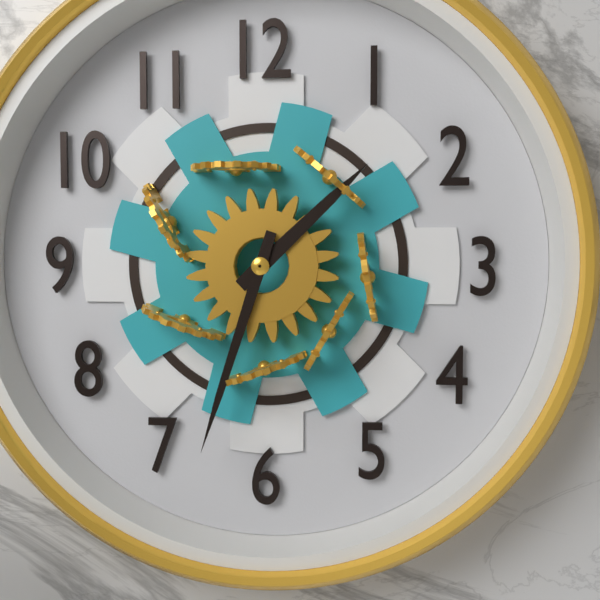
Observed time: **1:33**
